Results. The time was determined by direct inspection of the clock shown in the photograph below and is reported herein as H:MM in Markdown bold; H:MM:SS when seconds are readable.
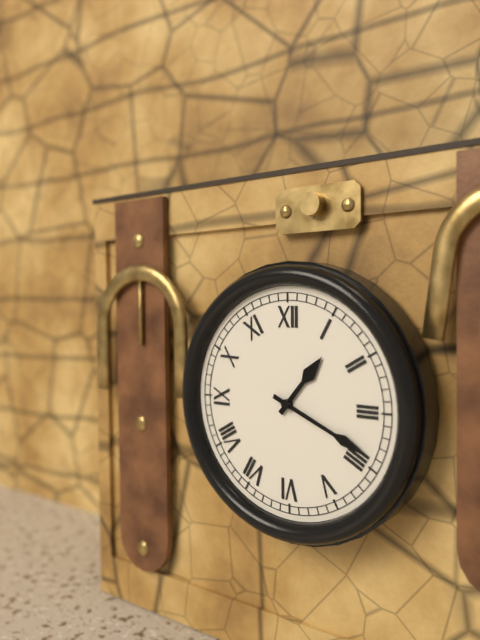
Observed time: **1:19**
